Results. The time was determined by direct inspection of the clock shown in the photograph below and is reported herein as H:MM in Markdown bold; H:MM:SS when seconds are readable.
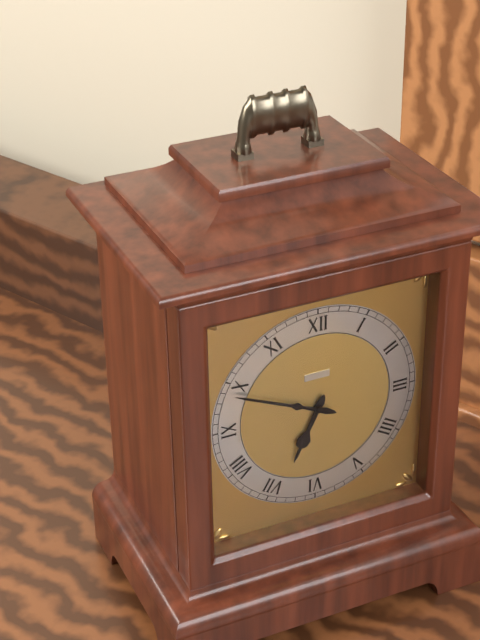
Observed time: **6:49**
